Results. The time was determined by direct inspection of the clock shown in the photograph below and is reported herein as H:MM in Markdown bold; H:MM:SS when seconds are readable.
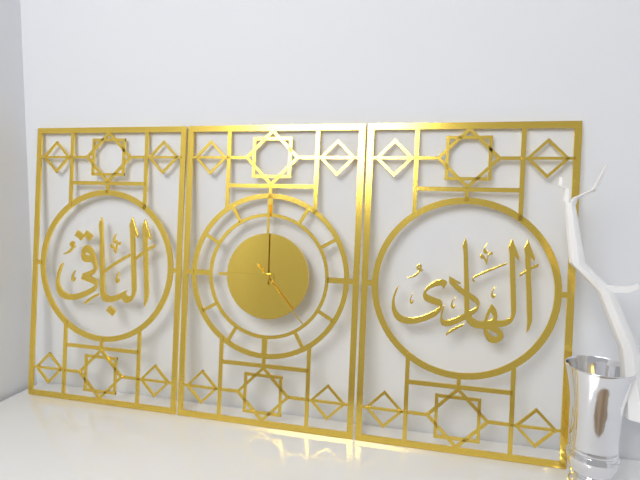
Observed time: **9:00:23**
